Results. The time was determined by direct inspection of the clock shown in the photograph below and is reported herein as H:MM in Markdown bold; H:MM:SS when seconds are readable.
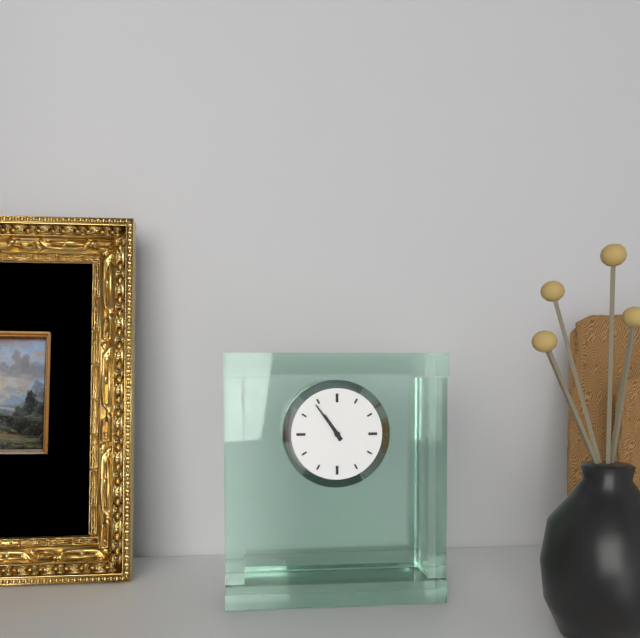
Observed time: **10:54**
